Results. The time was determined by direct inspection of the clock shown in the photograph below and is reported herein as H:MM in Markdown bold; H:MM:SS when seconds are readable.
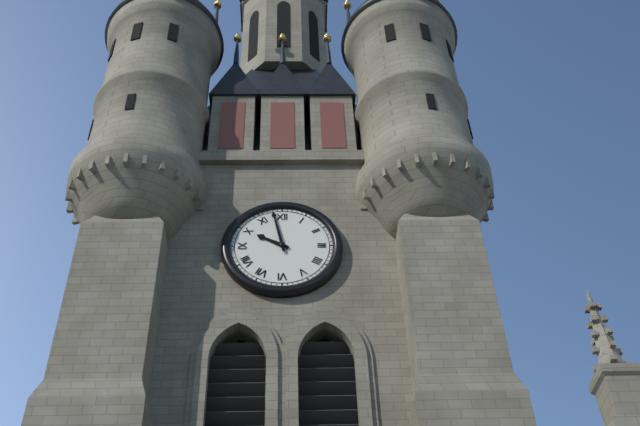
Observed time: **9:58**
